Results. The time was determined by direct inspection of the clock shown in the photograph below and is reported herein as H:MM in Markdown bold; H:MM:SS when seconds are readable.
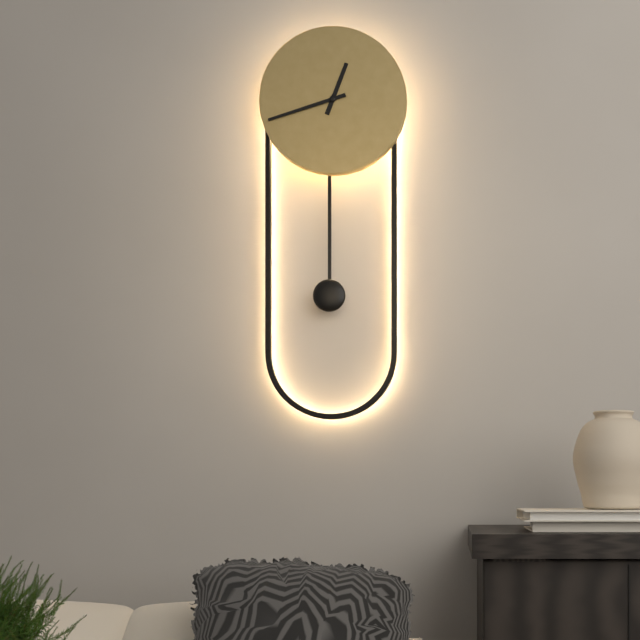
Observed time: **12:42**
